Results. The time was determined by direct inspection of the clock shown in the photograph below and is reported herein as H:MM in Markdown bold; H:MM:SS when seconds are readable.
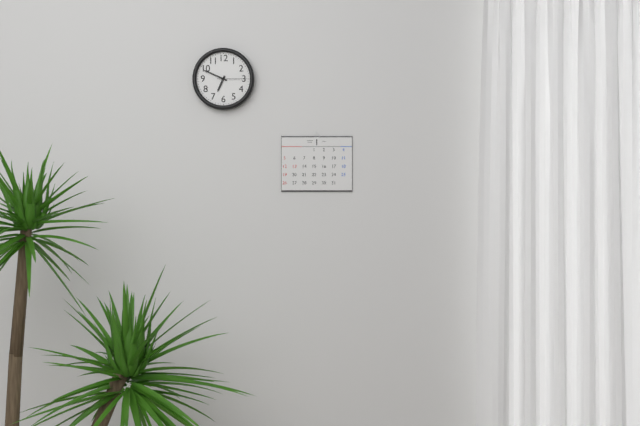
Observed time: **6:49**
